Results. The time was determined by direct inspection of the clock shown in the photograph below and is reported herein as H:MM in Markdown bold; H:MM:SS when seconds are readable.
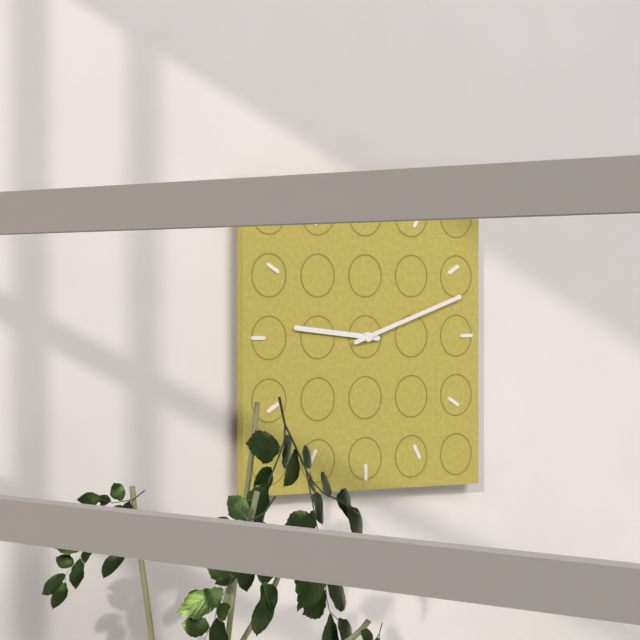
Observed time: **9:12**
